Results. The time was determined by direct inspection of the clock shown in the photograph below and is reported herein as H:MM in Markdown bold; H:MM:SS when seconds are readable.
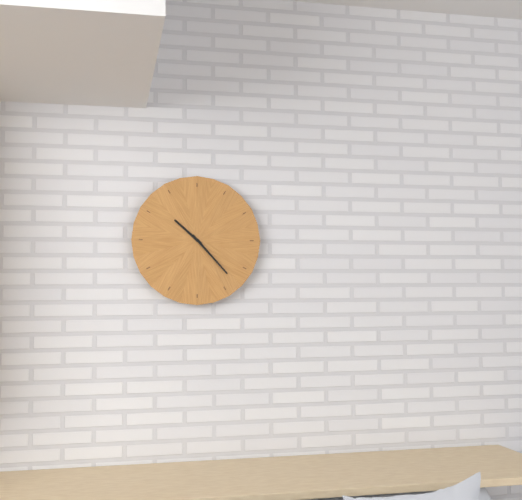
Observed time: **10:23**
